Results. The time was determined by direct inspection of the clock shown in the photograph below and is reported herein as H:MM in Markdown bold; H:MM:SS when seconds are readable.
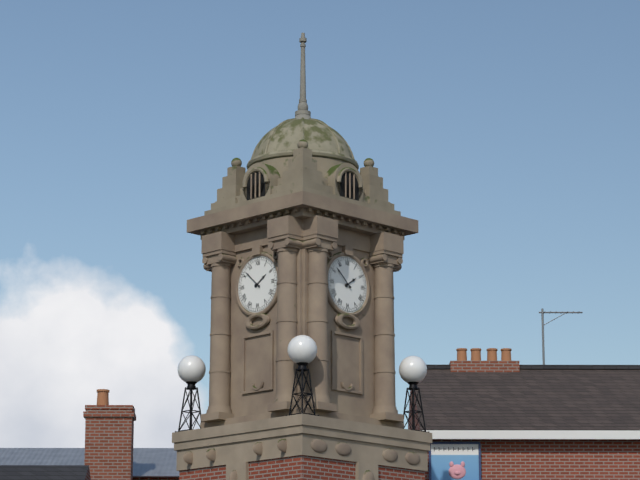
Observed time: **1:52**
